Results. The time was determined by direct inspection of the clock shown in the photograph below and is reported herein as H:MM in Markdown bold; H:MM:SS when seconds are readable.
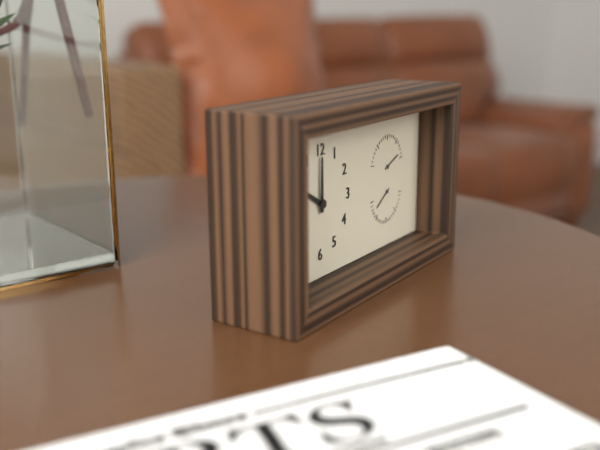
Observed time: **10:00**
